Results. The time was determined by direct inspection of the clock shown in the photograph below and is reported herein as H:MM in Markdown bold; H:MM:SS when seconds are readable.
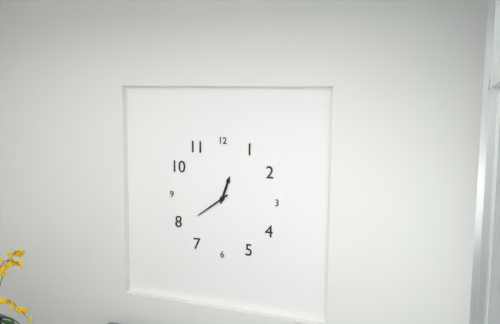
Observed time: **12:39**
